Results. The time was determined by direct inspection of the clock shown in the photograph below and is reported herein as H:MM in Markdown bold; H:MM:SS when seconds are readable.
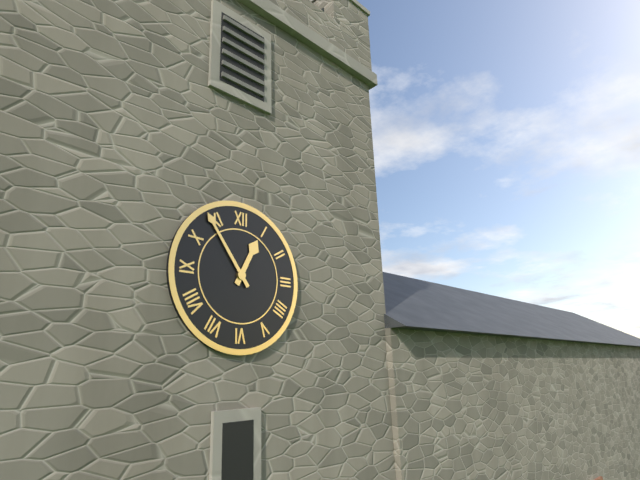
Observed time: **12:54**
